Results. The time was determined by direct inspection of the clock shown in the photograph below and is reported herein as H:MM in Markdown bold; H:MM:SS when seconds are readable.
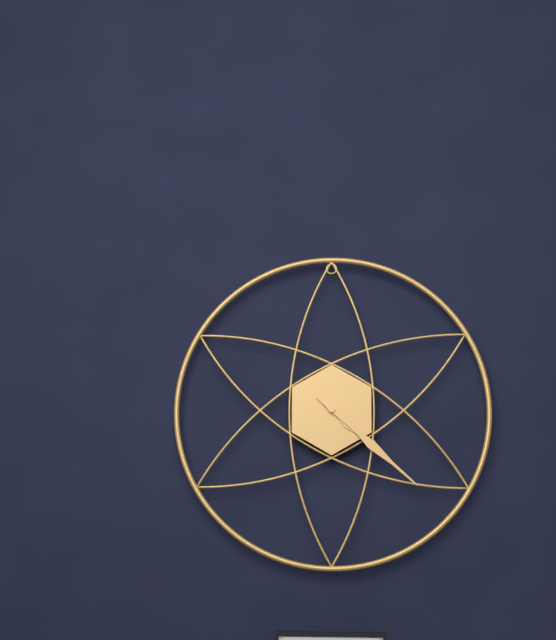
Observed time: **4:22**
